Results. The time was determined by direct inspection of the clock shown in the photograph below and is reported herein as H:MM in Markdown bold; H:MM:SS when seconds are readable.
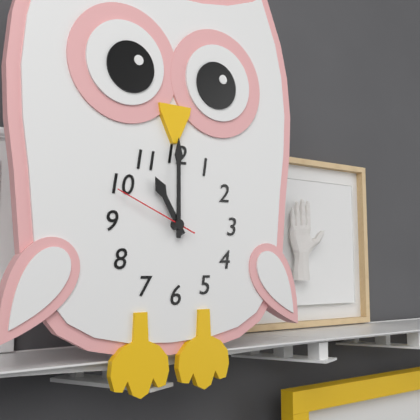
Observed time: **11:00:49**
